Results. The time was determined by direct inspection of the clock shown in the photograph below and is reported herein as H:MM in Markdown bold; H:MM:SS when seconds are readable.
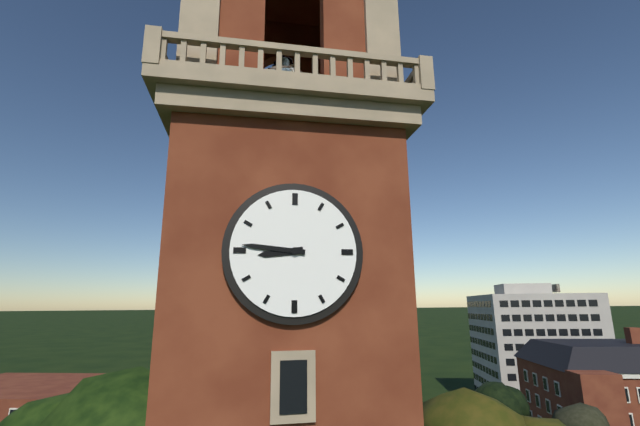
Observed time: **8:46**
